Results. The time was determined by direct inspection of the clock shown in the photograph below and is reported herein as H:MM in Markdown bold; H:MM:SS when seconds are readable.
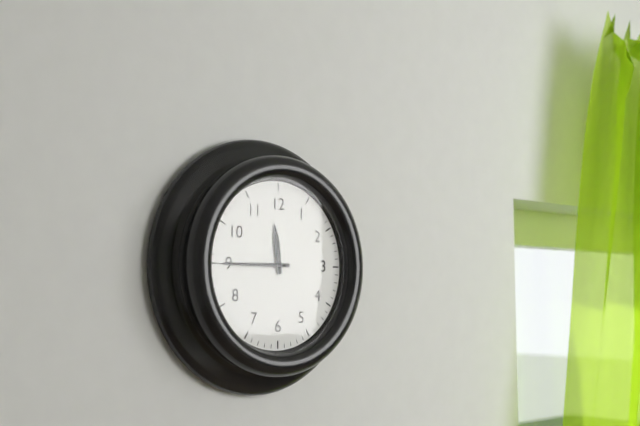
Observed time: **11:45**
